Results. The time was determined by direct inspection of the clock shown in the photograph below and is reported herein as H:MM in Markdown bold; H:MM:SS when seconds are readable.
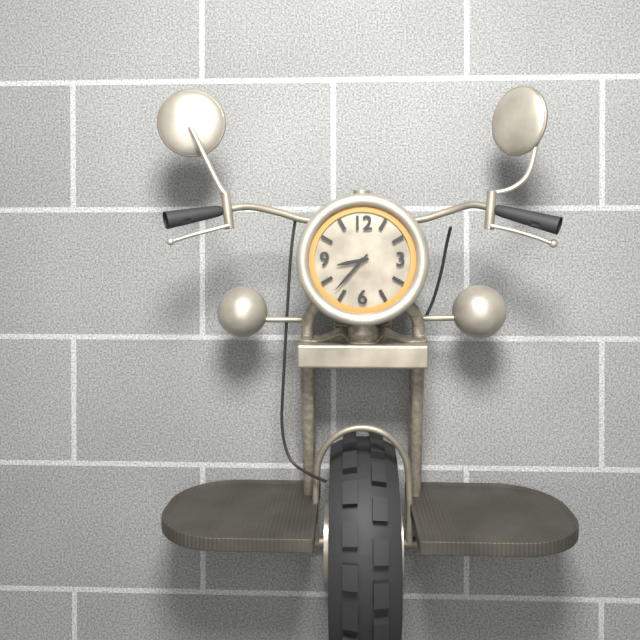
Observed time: **8:37**
